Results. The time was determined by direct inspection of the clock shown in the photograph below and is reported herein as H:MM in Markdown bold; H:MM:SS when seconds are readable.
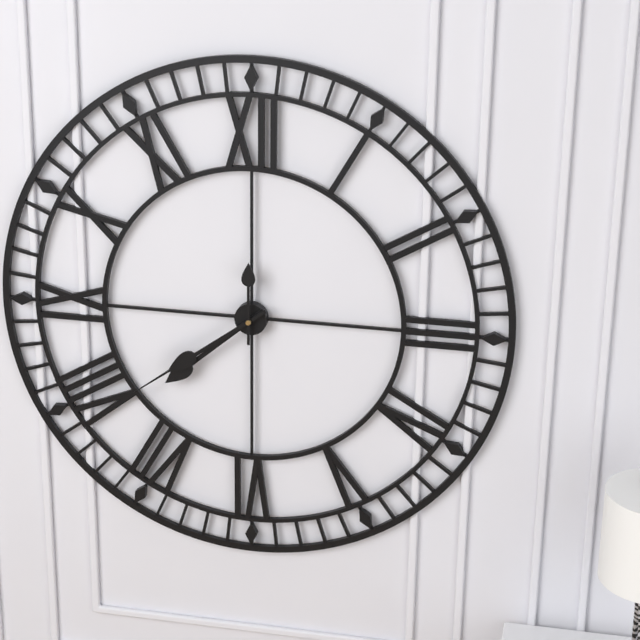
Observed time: **7:39:00**
